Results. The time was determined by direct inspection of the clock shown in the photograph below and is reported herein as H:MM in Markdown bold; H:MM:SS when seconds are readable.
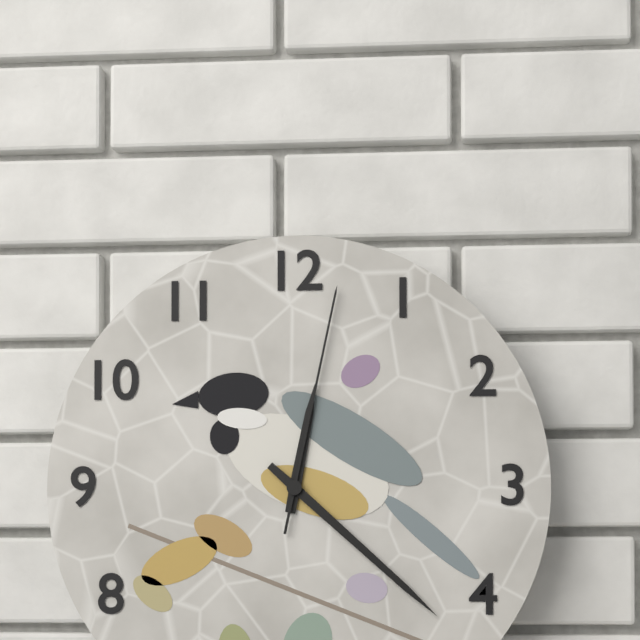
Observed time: **12:22:02**
